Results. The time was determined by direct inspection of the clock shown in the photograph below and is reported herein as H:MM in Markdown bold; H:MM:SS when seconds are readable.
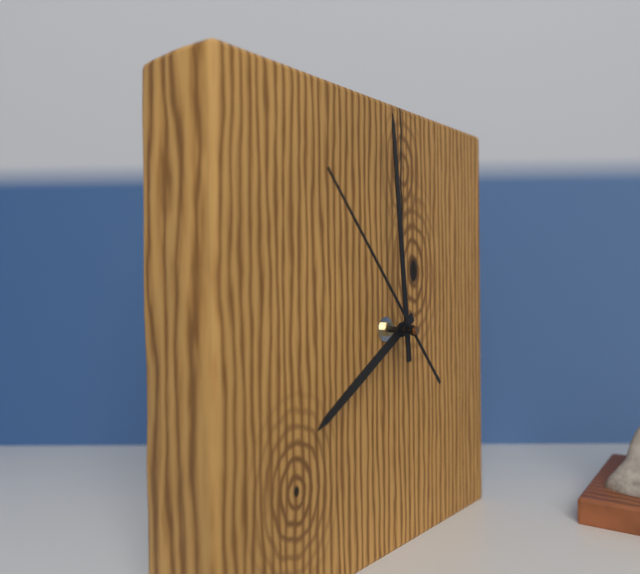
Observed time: **7:59:53**
